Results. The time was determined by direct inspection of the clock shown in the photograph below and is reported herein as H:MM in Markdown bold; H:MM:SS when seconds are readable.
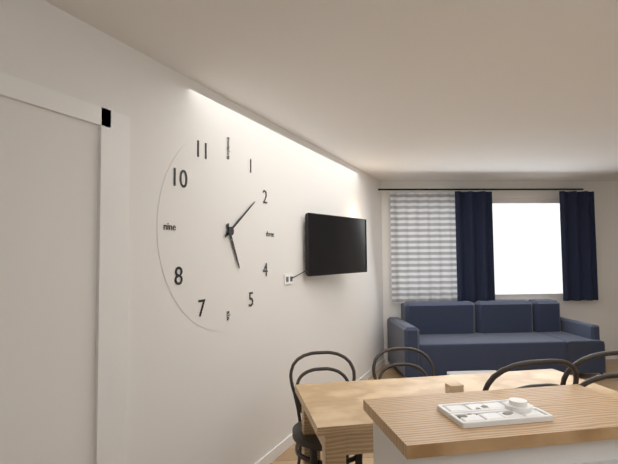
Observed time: **5:09**
